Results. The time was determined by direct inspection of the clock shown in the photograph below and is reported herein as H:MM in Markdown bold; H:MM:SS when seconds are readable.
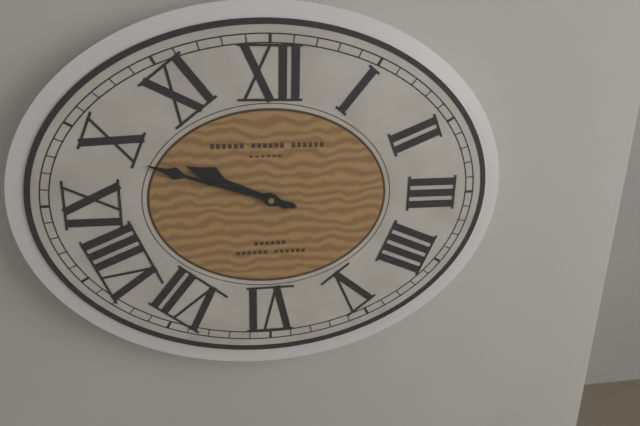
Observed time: **9:48**
